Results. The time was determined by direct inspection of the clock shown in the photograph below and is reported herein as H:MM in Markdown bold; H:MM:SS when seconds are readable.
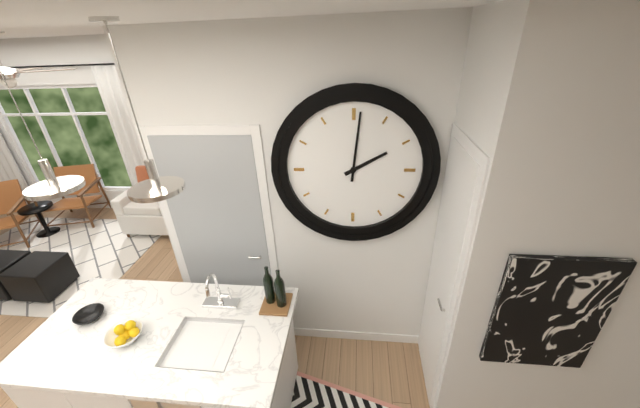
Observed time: **2:01**
